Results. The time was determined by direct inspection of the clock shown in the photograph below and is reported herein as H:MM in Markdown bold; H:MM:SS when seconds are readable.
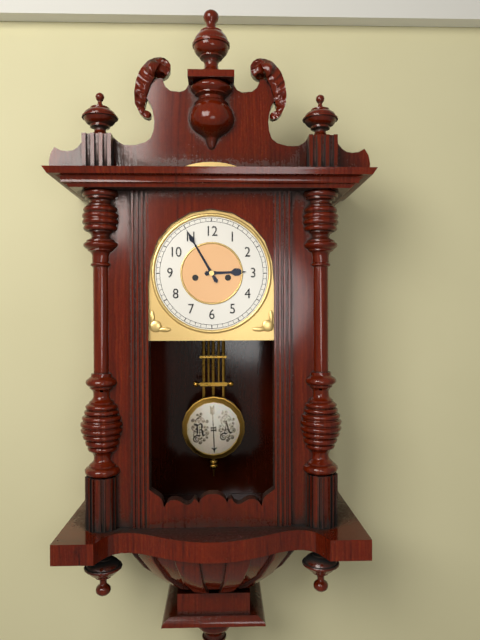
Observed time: **2:55**
